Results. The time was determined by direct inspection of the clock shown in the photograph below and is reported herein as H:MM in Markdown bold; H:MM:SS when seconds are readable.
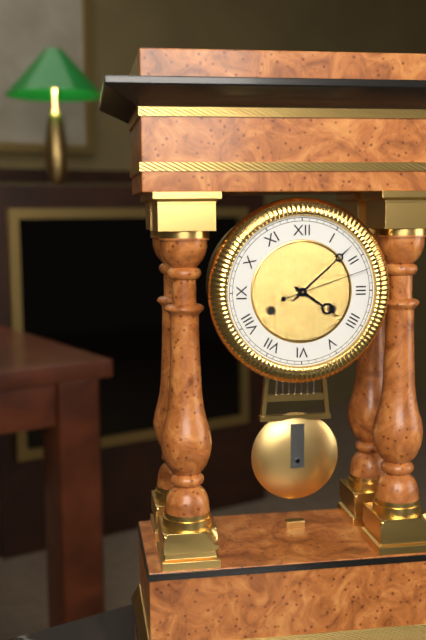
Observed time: **4:08:12**
